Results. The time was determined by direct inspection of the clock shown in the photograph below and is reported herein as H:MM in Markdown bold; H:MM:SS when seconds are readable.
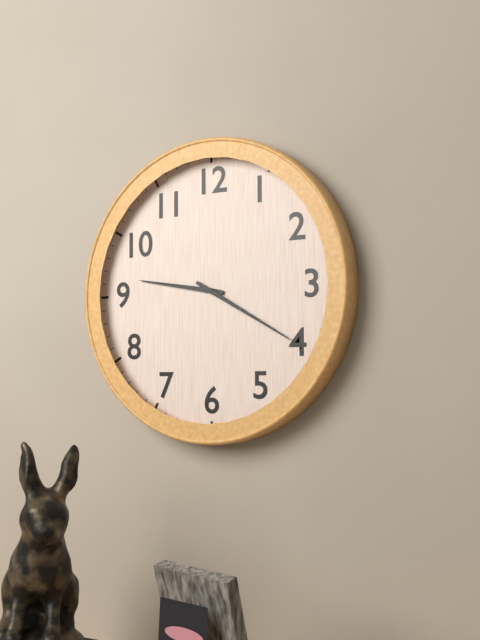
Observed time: **9:20**
